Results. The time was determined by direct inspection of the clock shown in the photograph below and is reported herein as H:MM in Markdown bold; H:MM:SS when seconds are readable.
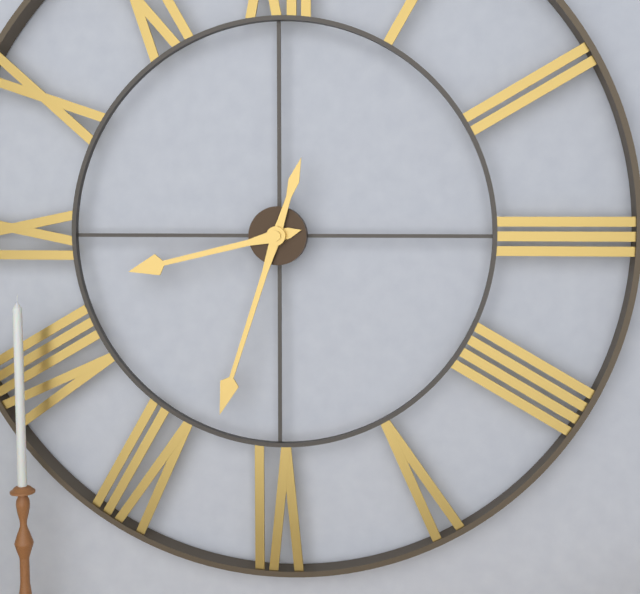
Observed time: **8:33**
